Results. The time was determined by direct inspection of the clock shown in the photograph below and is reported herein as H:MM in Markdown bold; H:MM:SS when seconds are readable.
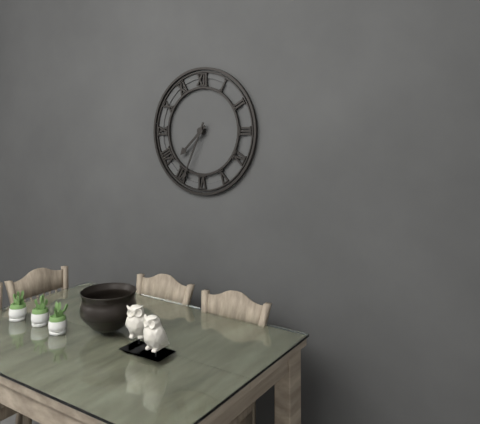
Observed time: **7:34**
